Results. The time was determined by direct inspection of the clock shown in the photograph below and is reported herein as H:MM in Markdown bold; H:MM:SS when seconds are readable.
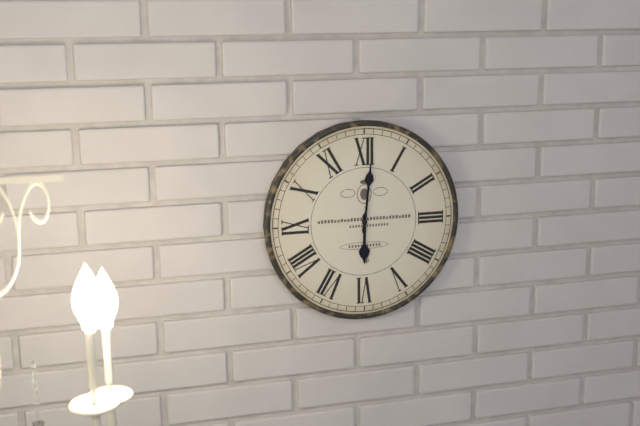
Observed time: **6:01**
